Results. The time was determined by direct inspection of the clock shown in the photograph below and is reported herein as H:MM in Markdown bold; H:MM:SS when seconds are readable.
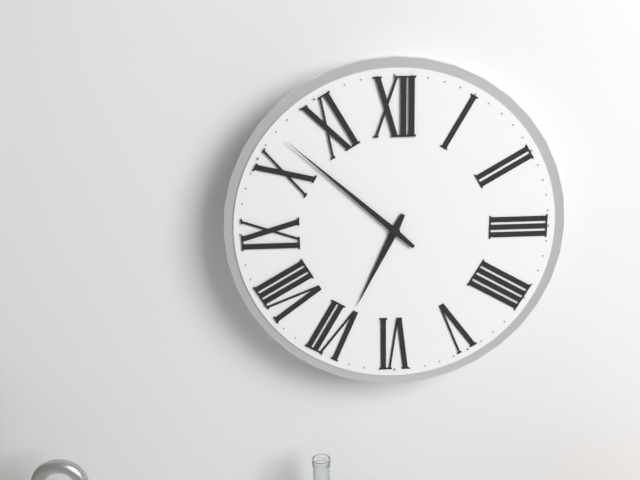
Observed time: **6:52**
